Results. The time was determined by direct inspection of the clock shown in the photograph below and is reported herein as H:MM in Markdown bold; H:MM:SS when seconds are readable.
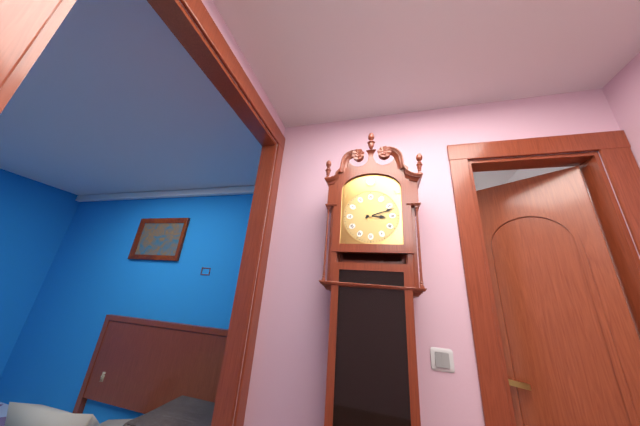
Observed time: **3:12**
